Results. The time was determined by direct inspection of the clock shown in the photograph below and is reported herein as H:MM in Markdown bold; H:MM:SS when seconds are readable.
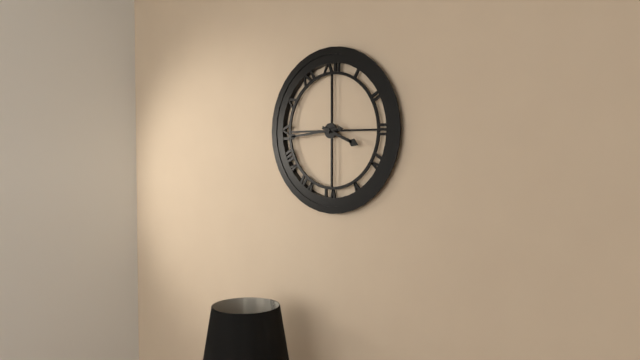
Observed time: **3:44**
